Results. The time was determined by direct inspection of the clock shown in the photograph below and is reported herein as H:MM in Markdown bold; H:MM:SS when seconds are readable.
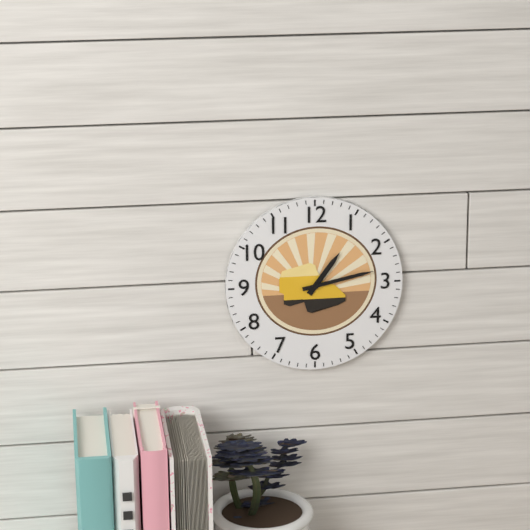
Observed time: **1:13**
